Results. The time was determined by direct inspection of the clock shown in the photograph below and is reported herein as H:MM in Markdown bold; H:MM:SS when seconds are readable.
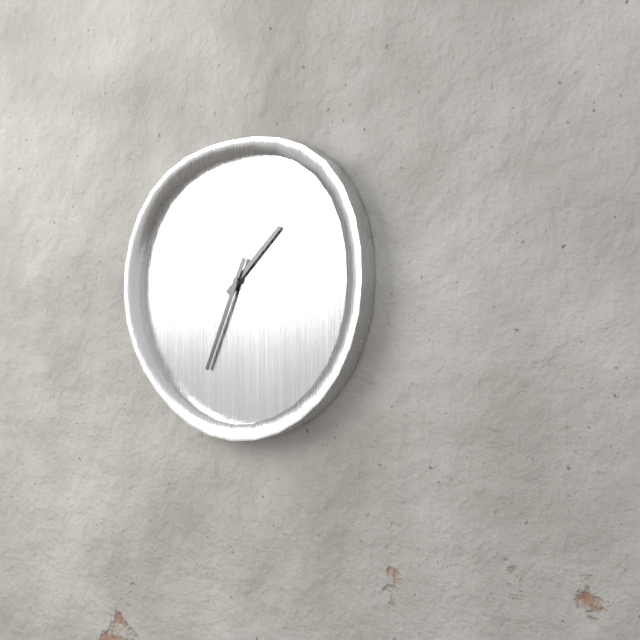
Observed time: **1:34**
